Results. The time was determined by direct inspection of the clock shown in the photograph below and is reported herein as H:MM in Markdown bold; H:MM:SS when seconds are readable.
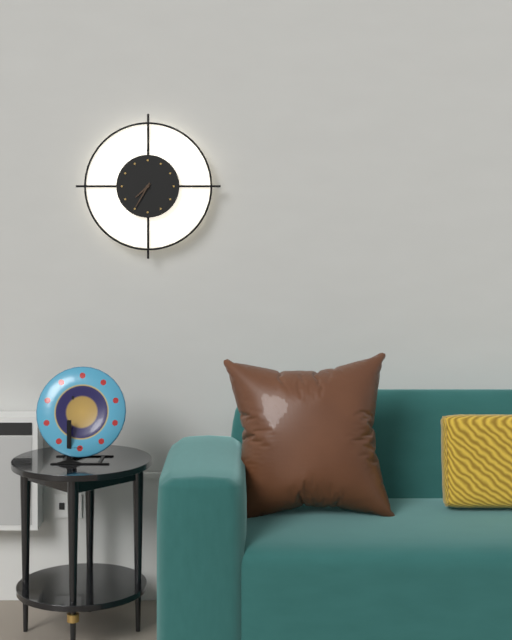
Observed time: **7:35**
